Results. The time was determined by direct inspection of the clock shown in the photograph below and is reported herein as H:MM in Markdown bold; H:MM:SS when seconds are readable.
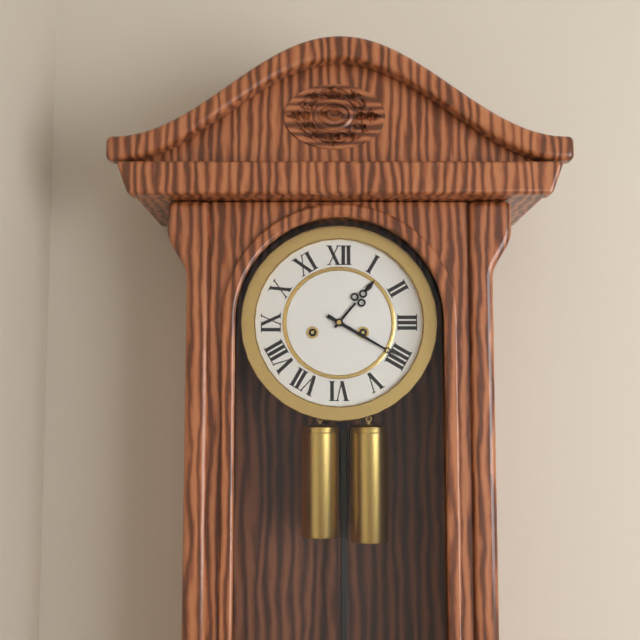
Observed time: **1:20**
